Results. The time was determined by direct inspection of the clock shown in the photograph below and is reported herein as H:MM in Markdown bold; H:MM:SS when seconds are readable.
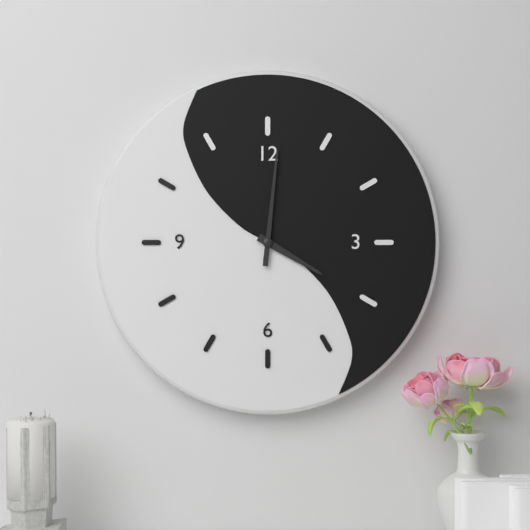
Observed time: **4:01**
